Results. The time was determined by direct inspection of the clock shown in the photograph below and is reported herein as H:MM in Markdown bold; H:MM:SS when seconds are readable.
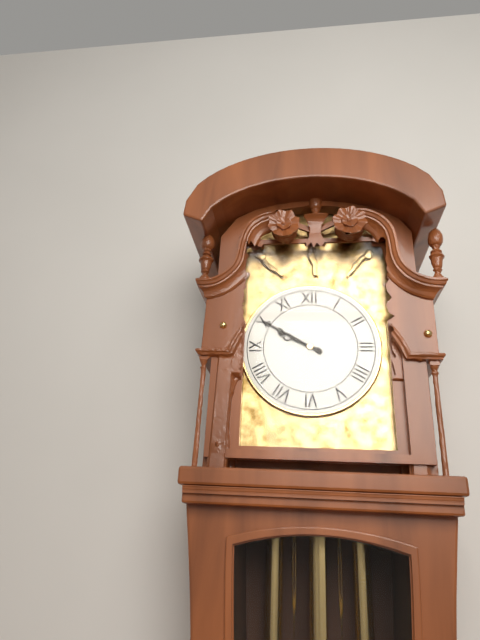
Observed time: **9:50**
